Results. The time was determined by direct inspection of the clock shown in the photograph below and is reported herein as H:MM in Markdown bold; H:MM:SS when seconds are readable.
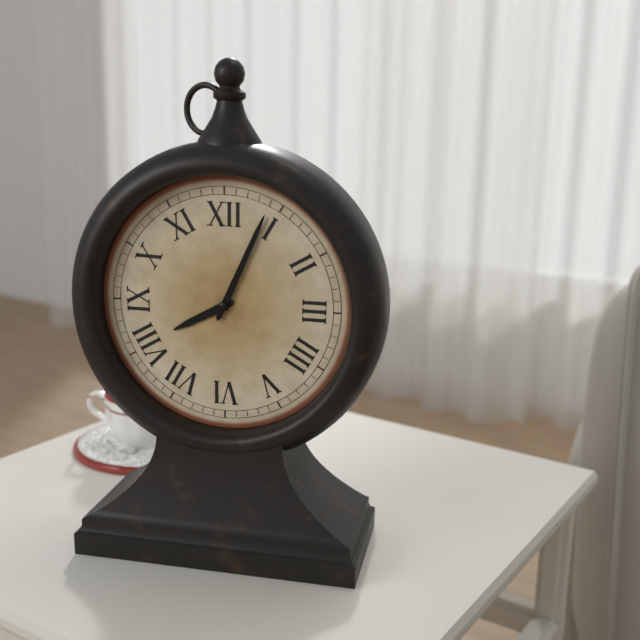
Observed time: **8:04**
